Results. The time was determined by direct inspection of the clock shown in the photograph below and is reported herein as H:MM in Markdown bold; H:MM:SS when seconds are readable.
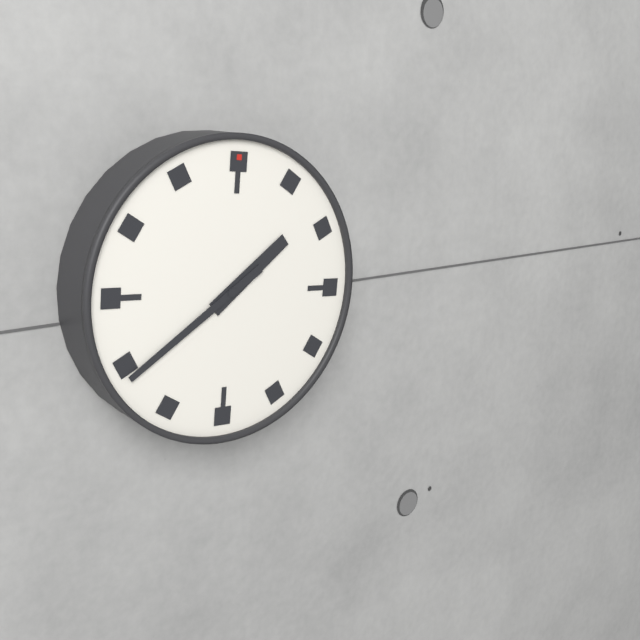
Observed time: **1:39**
